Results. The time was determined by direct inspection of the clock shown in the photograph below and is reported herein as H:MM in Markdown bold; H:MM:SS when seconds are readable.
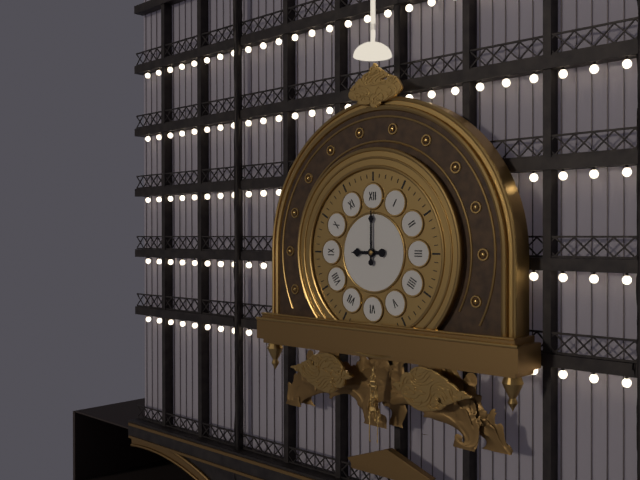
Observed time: **9:00**
